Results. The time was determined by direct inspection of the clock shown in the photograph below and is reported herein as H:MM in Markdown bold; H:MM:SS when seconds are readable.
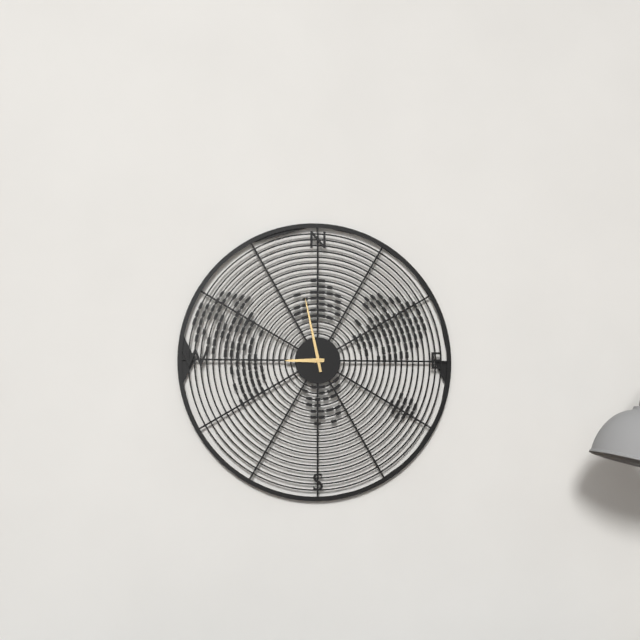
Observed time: **8:58**
